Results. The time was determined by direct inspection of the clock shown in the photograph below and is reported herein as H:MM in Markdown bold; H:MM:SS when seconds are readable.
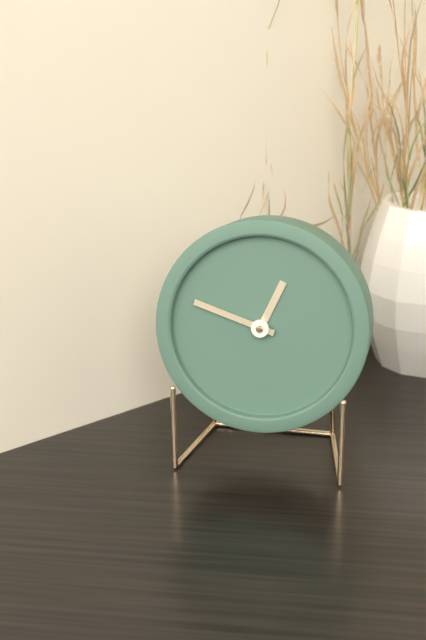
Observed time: **12:48**
